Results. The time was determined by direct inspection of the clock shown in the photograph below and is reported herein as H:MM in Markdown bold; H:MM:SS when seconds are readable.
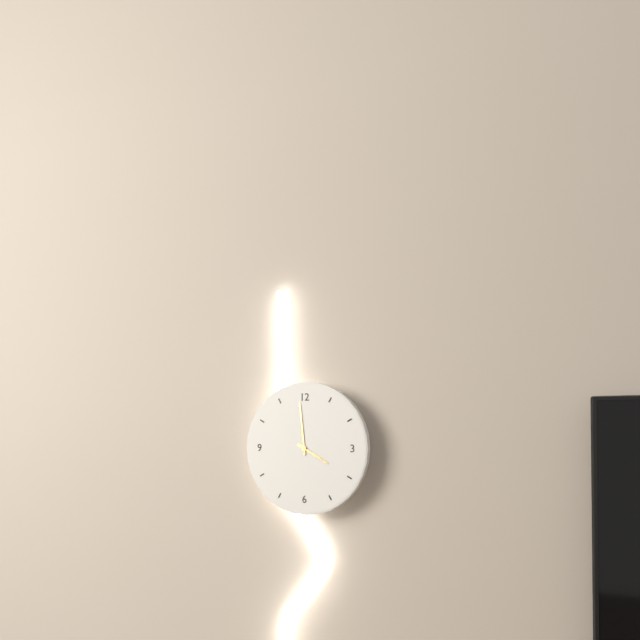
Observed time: **3:59**
